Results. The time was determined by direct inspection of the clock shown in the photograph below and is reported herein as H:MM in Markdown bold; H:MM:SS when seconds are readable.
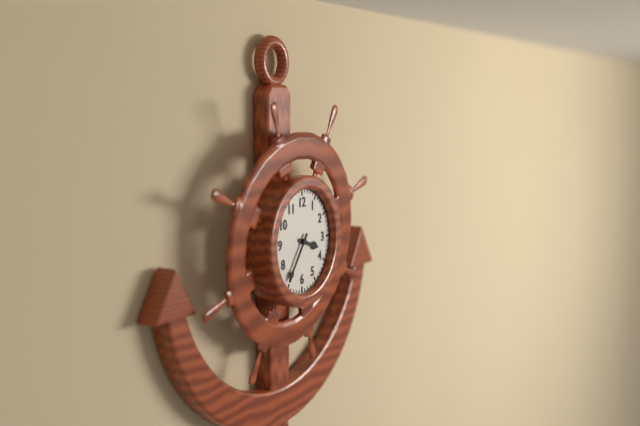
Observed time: **3:36**
